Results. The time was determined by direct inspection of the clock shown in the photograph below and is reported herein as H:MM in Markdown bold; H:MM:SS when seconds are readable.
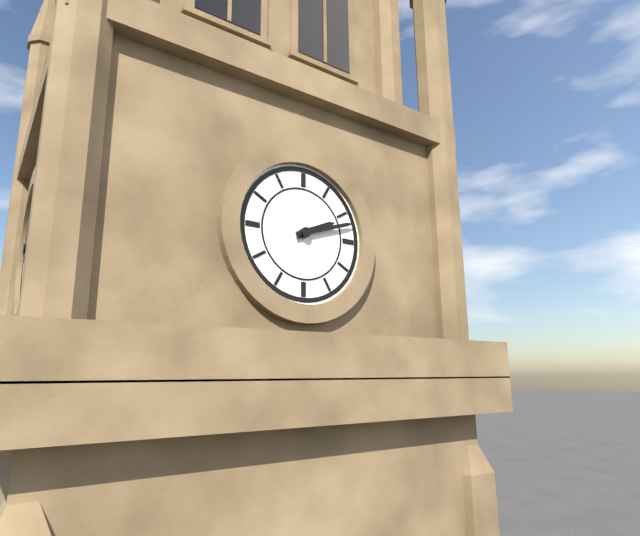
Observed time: **2:12**
